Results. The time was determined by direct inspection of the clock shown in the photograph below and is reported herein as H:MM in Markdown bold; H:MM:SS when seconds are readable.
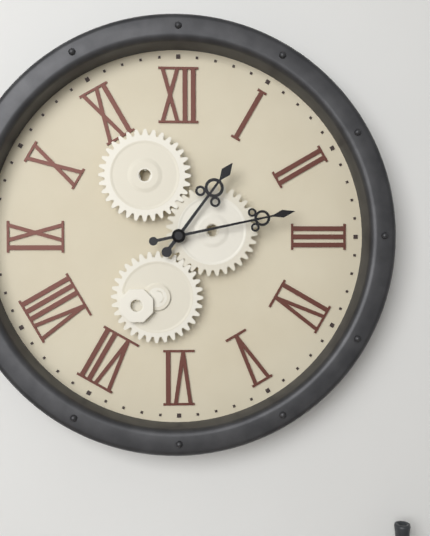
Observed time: **1:13**
